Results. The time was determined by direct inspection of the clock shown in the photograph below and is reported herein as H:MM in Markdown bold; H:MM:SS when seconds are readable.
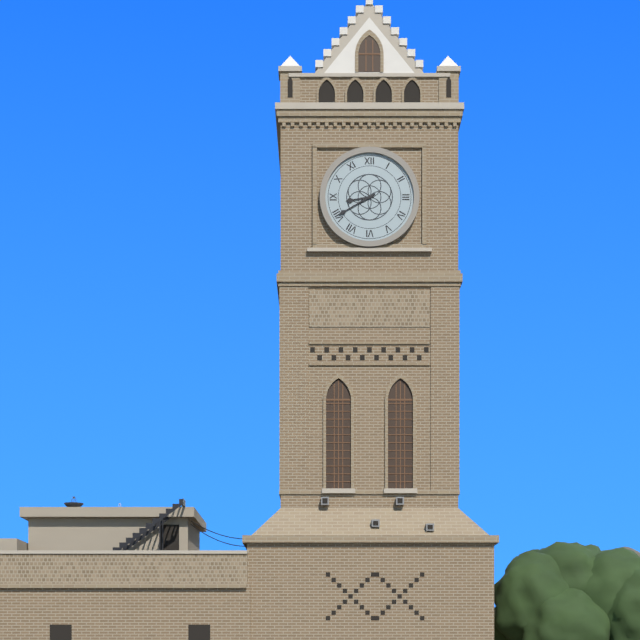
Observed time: **8:40**
